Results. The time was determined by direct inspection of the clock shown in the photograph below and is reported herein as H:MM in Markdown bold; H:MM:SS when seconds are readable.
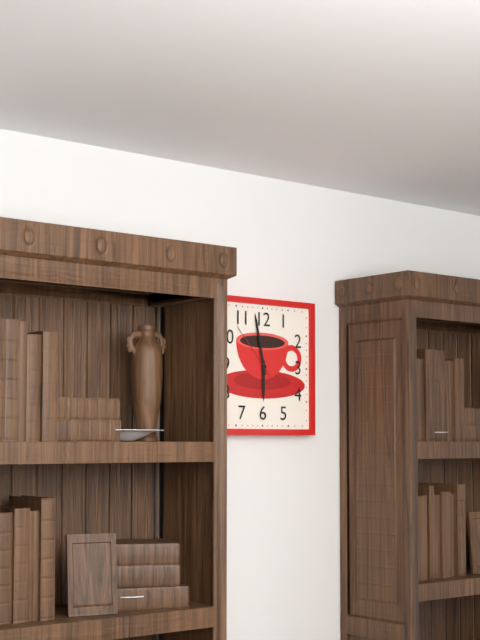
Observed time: **5:58:53**
